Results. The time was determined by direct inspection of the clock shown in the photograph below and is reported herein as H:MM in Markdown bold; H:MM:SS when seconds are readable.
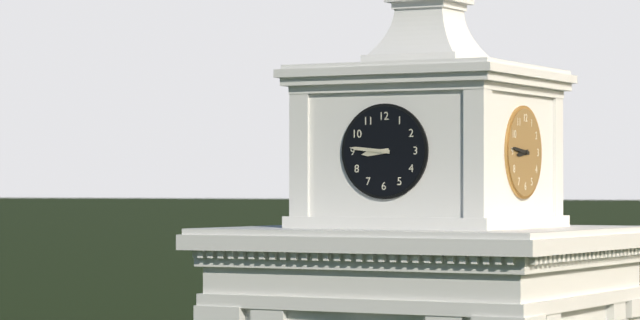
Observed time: **8:46**
